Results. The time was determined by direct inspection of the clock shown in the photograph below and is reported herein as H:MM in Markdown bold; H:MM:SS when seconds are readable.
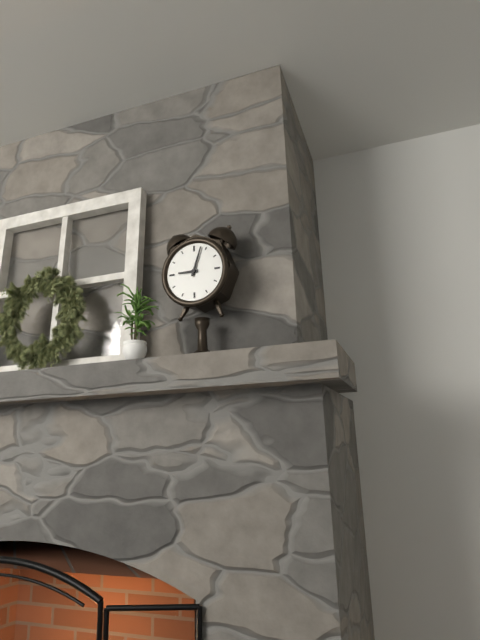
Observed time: **9:03**
